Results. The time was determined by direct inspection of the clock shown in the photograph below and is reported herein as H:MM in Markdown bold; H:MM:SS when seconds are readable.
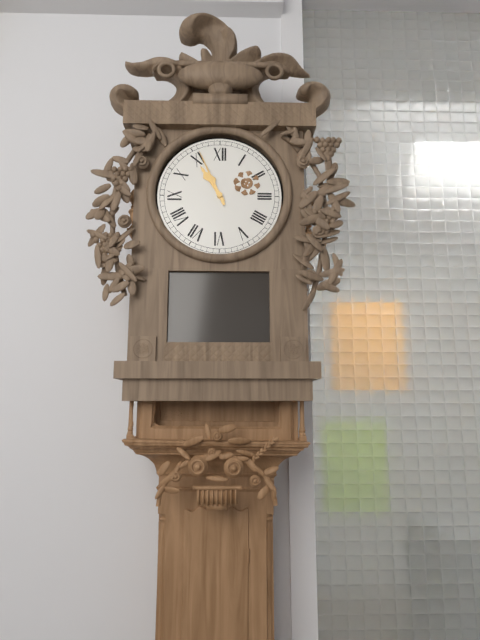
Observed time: **10:56**
